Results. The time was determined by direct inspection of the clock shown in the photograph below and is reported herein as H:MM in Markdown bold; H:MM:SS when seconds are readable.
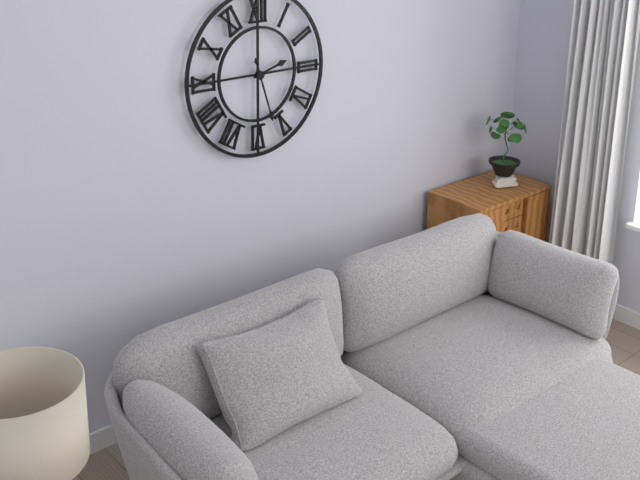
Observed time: **2:27**
